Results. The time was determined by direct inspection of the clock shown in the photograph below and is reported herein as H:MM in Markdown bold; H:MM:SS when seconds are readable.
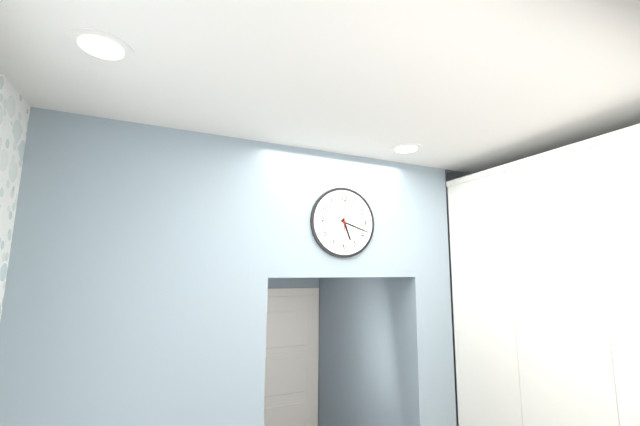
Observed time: **5:18**
